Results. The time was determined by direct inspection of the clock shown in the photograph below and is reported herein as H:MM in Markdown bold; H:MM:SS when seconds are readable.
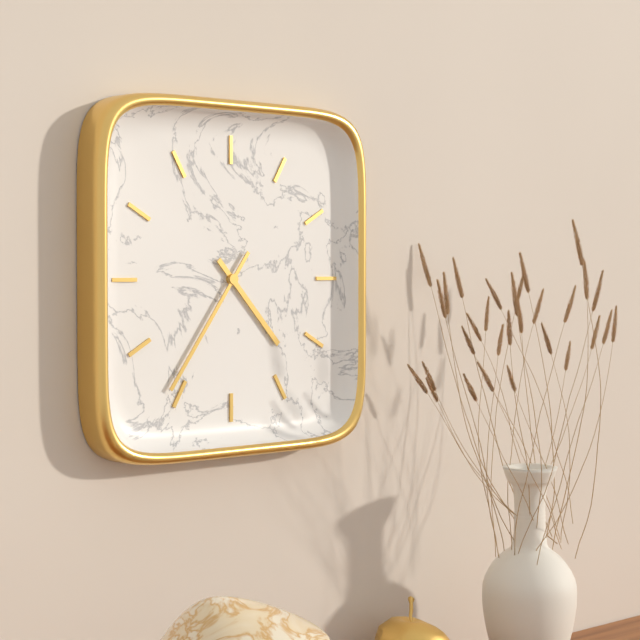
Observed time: **4:36**
